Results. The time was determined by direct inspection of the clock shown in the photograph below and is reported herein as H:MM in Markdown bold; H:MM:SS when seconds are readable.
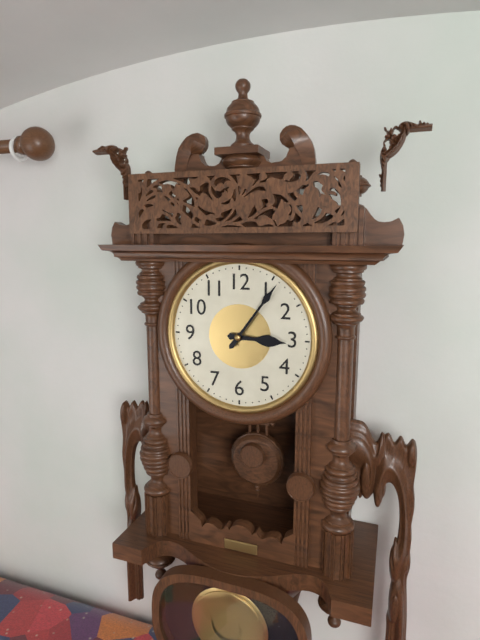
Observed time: **3:06**
